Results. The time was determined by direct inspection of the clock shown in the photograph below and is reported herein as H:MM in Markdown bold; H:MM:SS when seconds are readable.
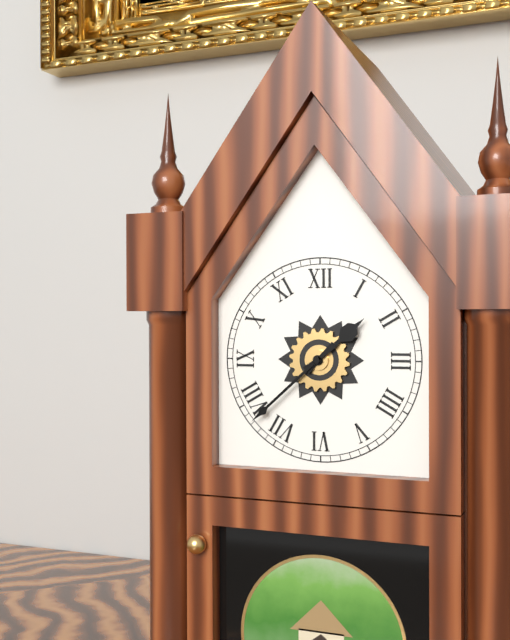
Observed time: **1:38**
